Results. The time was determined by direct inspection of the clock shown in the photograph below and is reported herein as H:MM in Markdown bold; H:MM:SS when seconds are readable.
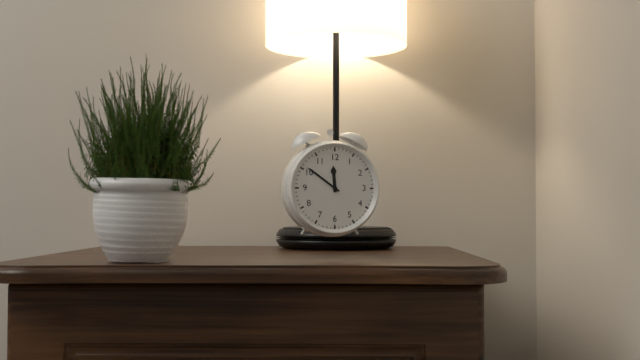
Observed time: **11:51**
